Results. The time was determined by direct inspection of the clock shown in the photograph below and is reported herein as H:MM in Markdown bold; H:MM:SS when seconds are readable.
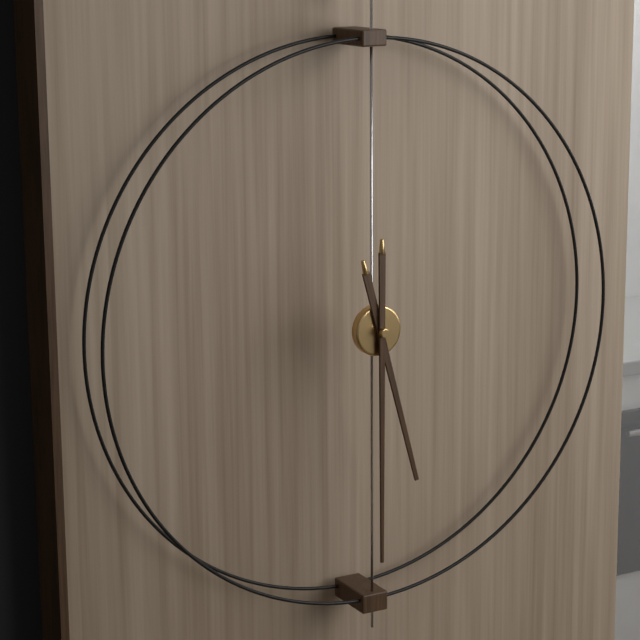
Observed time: **5:30**
